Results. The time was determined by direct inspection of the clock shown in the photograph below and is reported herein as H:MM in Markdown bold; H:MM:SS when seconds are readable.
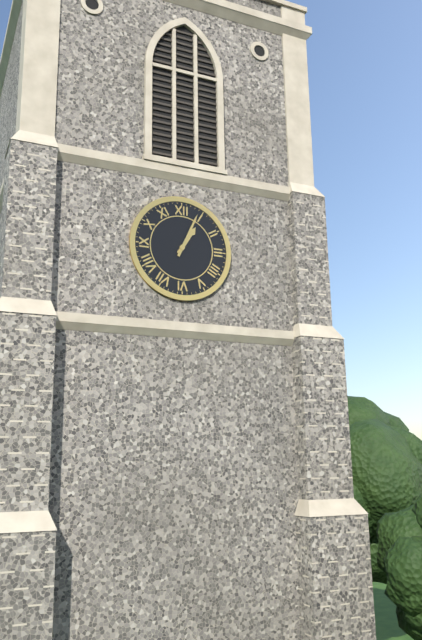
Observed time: **1:04**
